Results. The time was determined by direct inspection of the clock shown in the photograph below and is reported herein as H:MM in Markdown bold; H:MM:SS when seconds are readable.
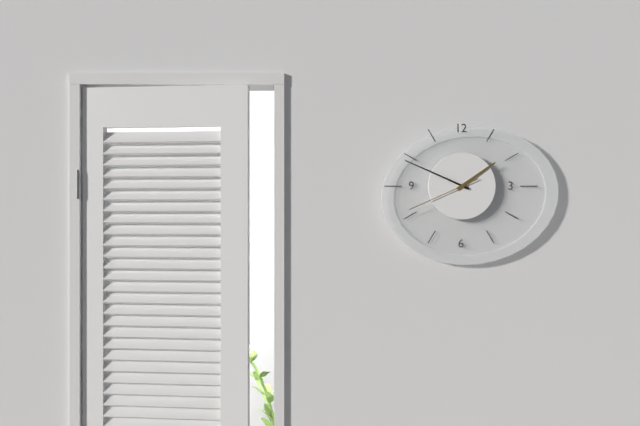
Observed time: **1:49:41**
